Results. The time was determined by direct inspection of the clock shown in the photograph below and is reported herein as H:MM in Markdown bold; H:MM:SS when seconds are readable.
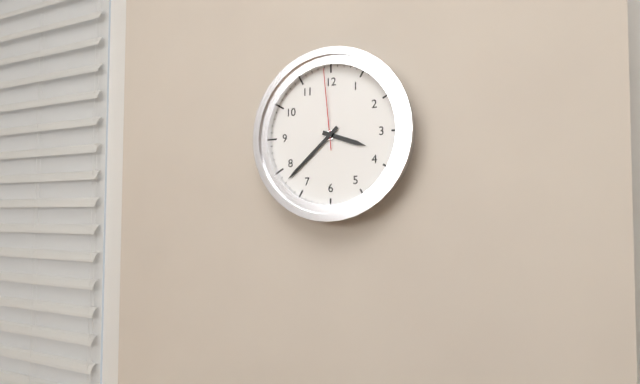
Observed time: **3:38:59**
